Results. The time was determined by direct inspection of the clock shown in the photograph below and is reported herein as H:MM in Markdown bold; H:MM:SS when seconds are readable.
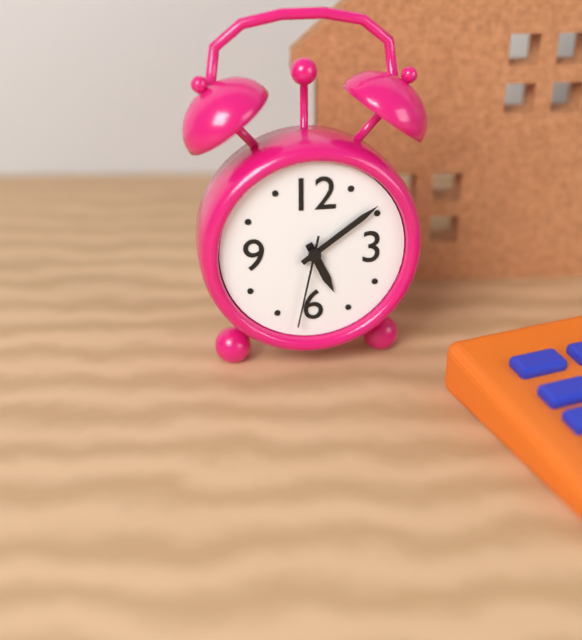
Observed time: **5:09:32**
